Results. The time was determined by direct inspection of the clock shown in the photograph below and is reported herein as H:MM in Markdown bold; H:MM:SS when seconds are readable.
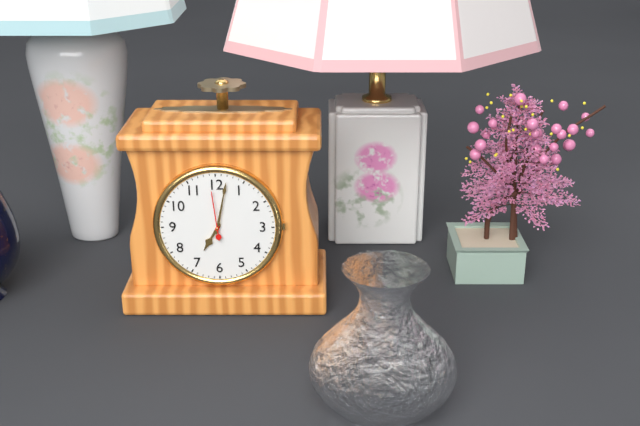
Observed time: **7:02**
